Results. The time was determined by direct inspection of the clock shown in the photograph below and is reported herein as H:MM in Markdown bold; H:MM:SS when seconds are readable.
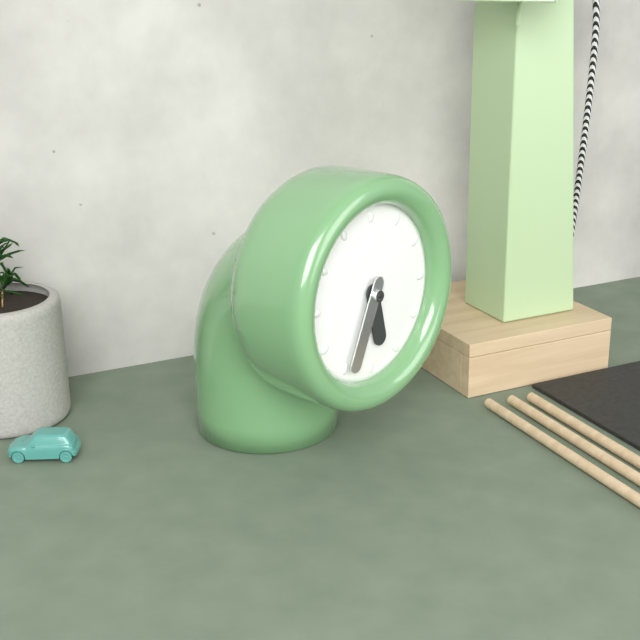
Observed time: **5:34**
